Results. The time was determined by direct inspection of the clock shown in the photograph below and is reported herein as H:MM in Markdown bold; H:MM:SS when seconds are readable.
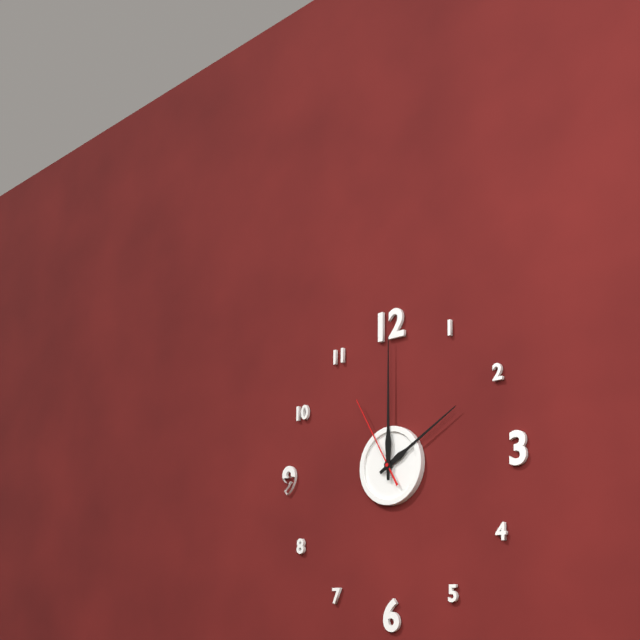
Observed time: **2:00:55**
